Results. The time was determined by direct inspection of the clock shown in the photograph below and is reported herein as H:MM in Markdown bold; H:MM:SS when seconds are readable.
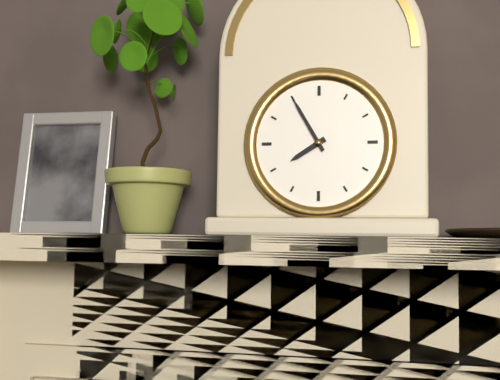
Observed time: **7:55**
